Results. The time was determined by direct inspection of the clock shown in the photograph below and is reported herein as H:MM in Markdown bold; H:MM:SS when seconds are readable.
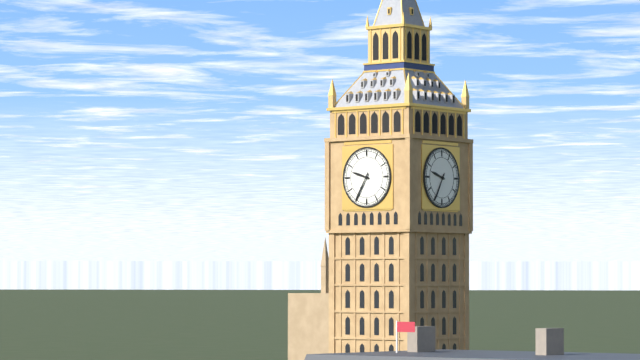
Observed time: **9:35**
